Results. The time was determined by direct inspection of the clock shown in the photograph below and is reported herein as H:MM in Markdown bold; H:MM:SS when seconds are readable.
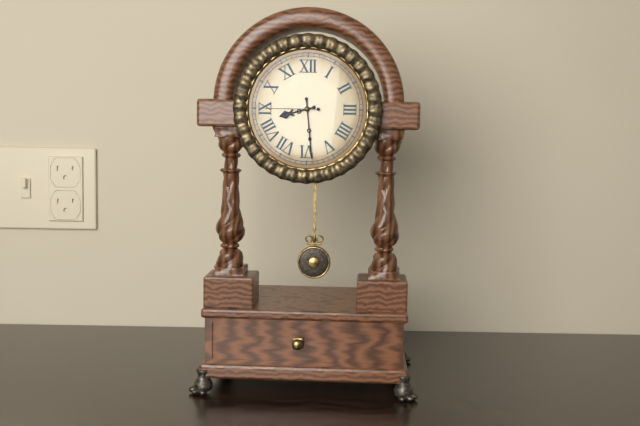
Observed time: **8:29:45**
